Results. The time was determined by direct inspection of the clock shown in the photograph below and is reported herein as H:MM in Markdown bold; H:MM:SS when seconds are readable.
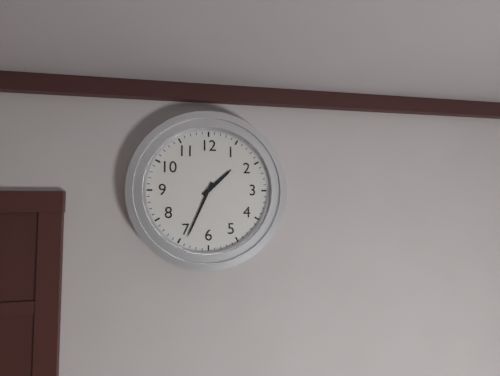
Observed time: **1:34**
